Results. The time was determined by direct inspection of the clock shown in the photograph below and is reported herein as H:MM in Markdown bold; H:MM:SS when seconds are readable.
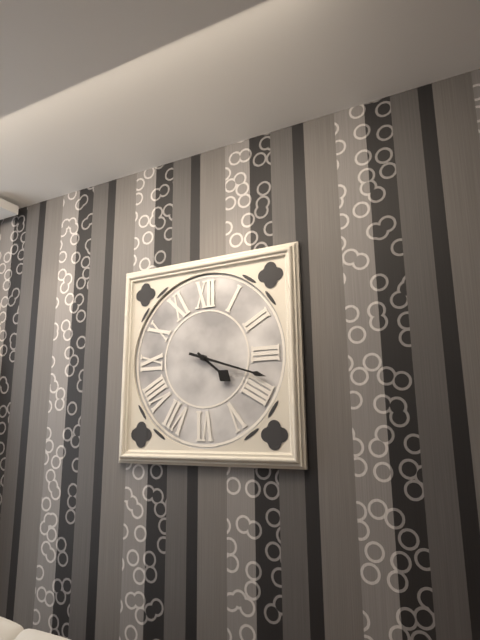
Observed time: **4:18**
